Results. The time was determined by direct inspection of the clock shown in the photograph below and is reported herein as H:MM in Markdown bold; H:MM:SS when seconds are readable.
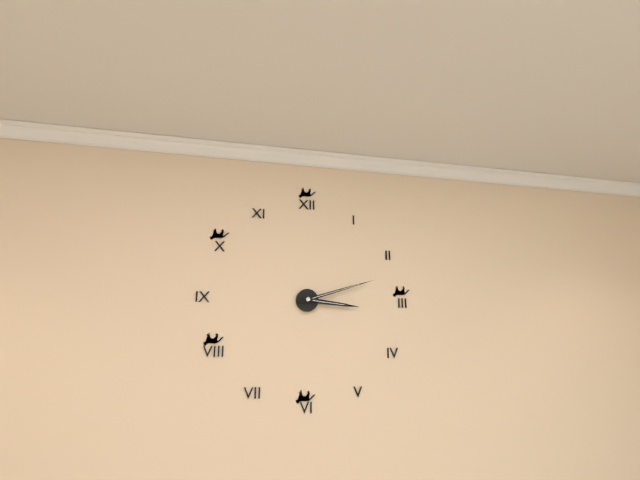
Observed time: **3:12**
